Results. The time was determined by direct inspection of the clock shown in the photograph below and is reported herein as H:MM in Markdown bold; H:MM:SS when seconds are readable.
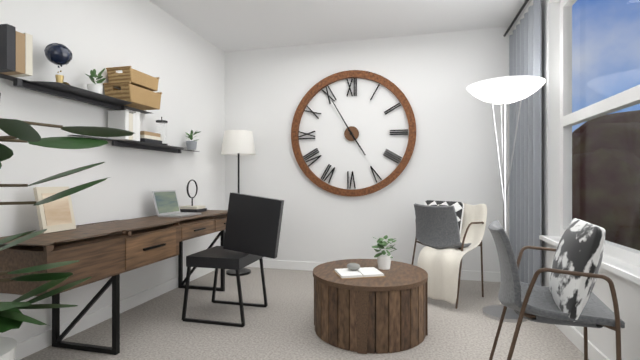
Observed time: **4:55**
